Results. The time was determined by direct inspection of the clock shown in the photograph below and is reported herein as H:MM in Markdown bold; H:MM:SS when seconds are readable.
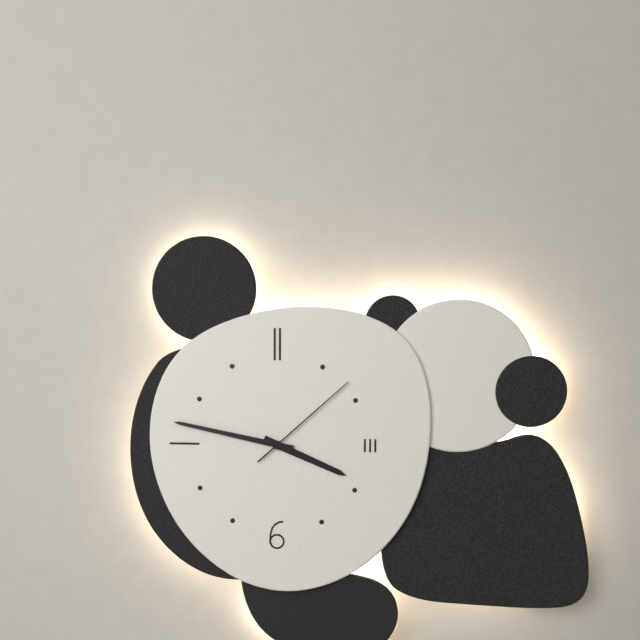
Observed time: **3:47:08**
